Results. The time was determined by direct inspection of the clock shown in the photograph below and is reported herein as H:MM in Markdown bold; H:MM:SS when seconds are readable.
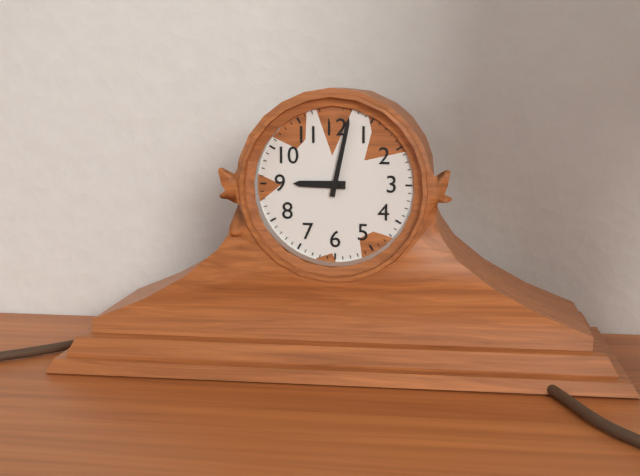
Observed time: **9:02**
